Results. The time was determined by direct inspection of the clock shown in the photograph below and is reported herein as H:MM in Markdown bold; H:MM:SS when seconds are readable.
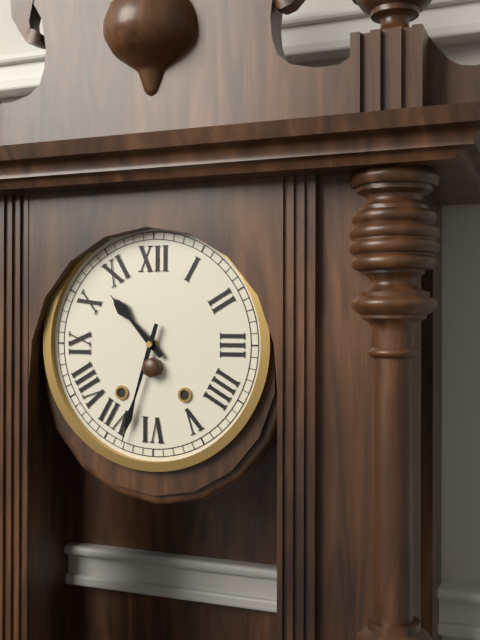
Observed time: **10:33**
